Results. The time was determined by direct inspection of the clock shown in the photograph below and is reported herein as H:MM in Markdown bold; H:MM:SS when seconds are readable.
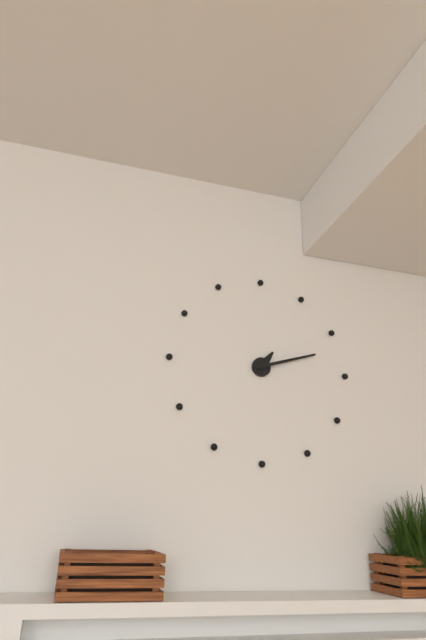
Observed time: **1:12**
